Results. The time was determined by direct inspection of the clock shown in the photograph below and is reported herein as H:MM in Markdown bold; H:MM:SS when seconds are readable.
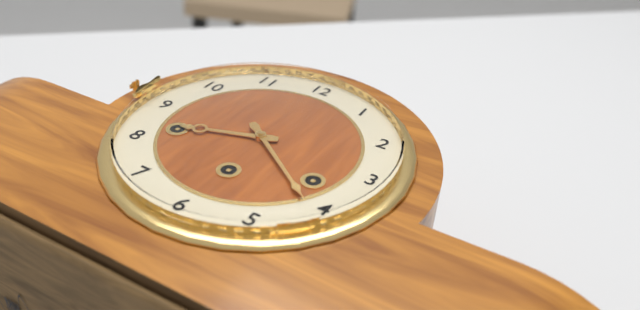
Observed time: **8:21**
